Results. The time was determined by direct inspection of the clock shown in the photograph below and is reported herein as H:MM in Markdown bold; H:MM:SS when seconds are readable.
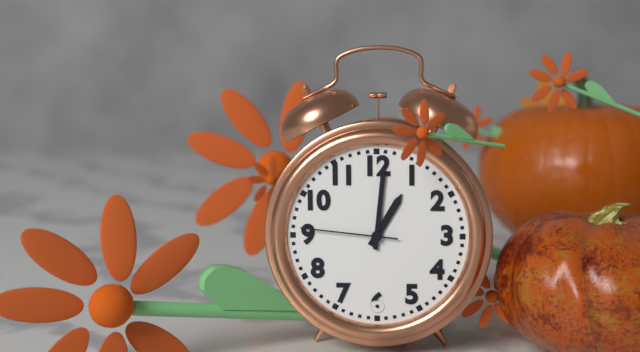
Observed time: **1:01:46**
